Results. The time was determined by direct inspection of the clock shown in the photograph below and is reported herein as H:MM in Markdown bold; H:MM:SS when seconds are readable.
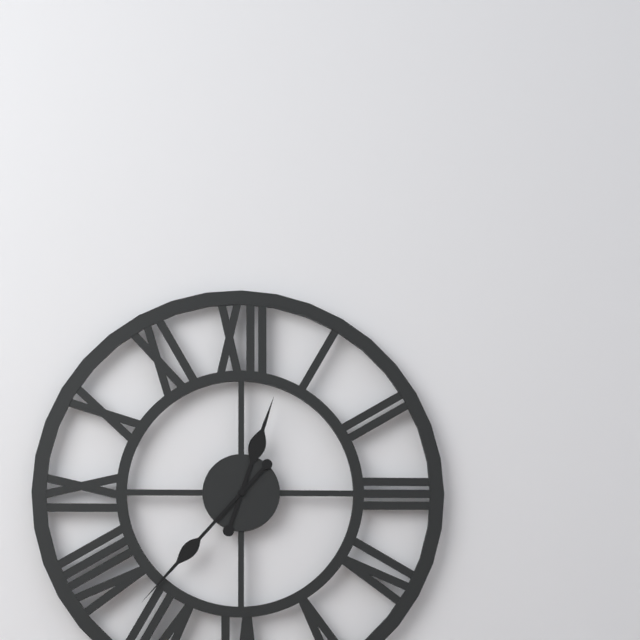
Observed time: **12:37**
